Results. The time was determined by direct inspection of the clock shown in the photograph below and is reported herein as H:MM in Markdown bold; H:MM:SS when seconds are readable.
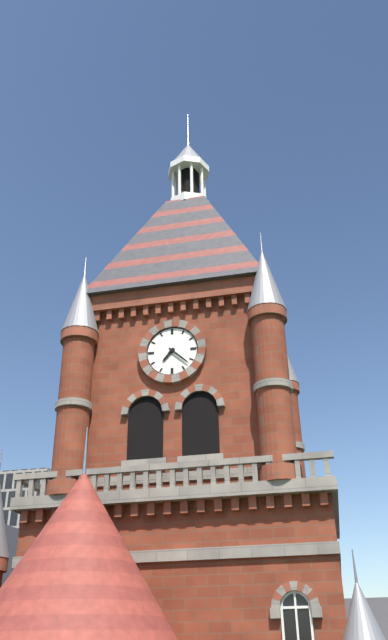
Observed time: **7:22**
